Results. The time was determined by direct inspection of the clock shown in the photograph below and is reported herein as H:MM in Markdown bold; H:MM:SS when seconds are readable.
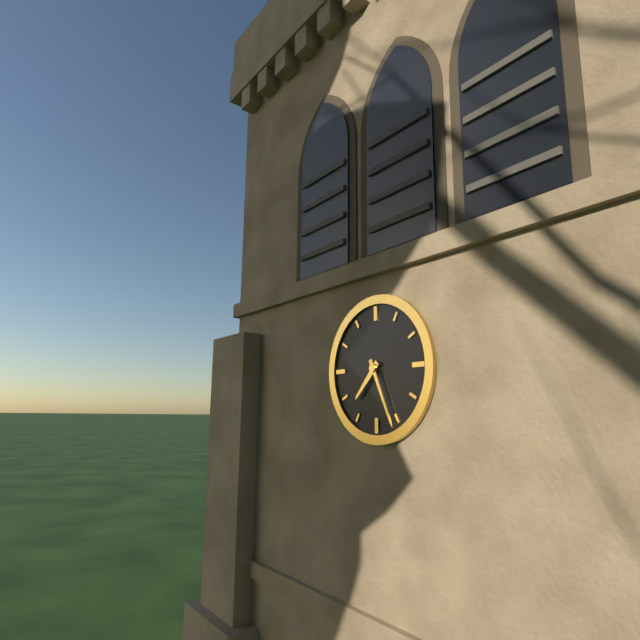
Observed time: **7:26**
